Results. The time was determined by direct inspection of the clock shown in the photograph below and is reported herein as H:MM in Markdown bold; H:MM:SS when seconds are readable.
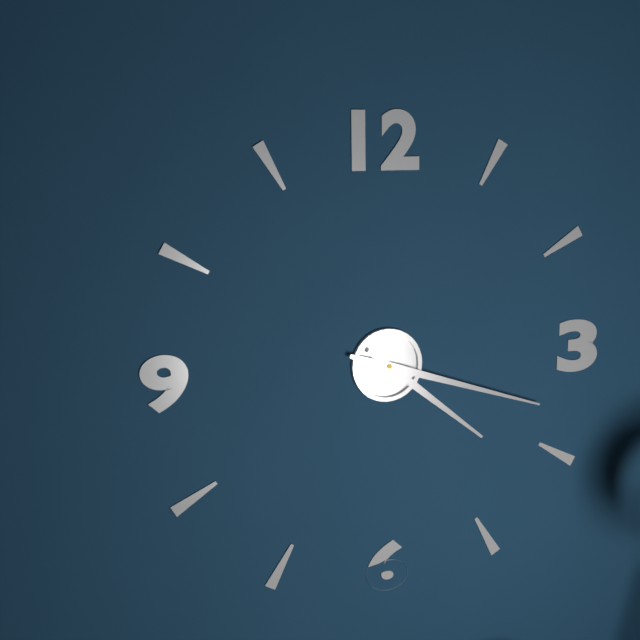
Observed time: **4:18**
